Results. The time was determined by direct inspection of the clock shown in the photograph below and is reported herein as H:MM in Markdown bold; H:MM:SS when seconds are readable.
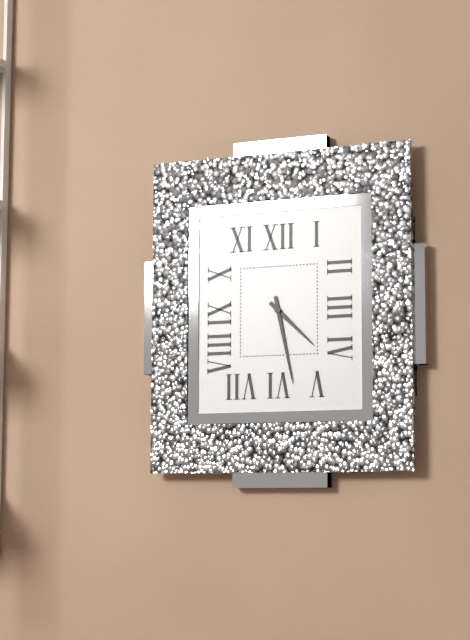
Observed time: **4:28**
